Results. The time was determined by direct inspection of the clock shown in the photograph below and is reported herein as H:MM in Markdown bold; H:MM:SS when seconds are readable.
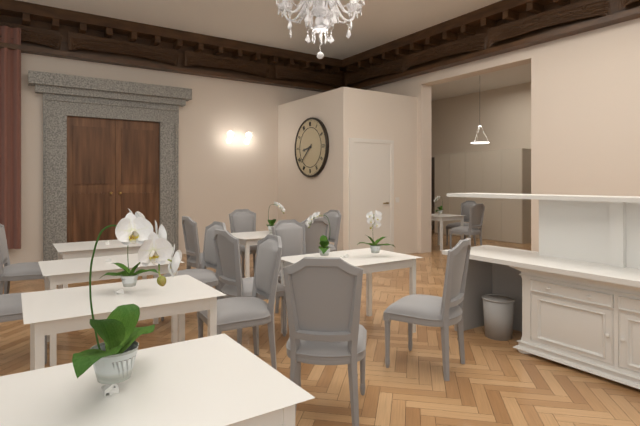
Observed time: **8:38**
